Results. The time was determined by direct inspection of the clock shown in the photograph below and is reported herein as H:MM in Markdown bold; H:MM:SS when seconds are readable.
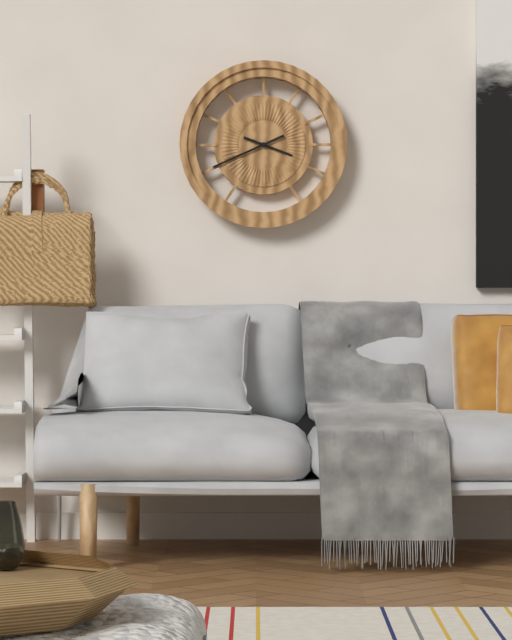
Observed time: **3:41**
